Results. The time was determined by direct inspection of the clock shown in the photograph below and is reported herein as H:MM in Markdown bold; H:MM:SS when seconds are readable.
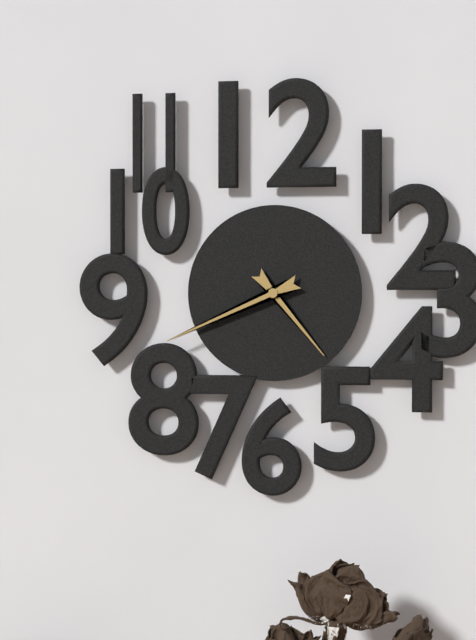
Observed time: **4:41**
